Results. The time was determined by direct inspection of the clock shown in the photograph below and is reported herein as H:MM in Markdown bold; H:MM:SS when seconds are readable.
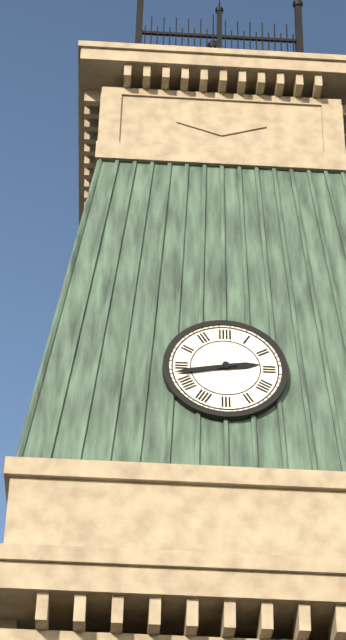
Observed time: **2:43**
